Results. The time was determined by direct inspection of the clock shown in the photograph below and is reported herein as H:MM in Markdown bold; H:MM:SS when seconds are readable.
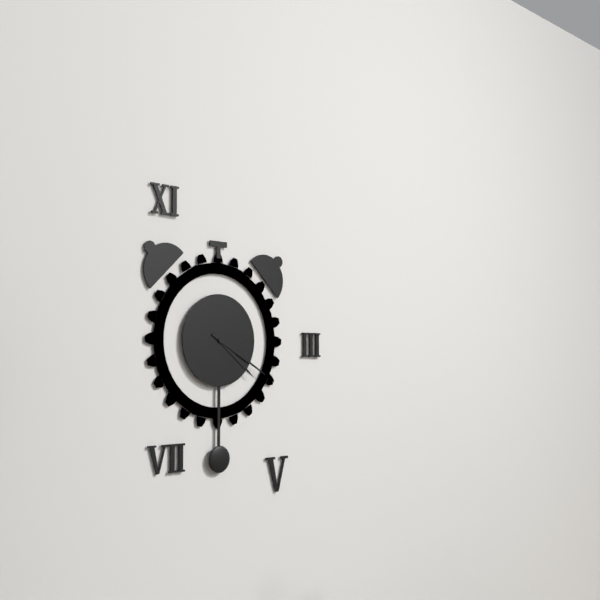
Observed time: **4:20**
